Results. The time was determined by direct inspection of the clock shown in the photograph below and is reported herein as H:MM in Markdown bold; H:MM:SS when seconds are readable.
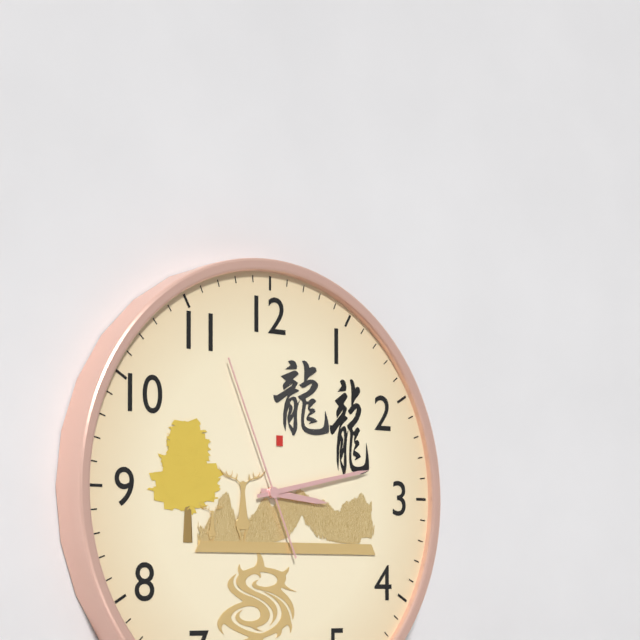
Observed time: **3:13:56**
